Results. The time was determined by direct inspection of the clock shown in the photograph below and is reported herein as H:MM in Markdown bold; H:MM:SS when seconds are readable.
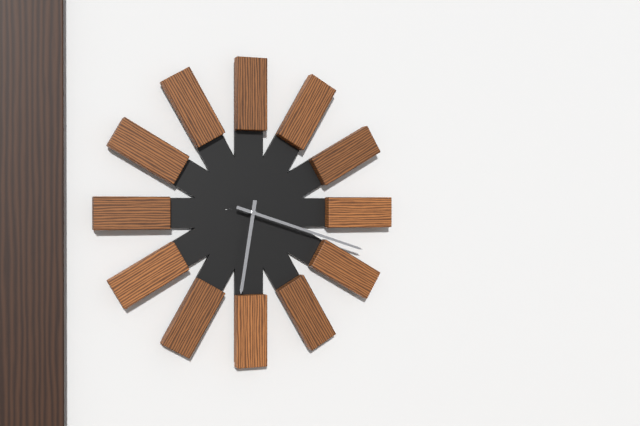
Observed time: **6:18**
